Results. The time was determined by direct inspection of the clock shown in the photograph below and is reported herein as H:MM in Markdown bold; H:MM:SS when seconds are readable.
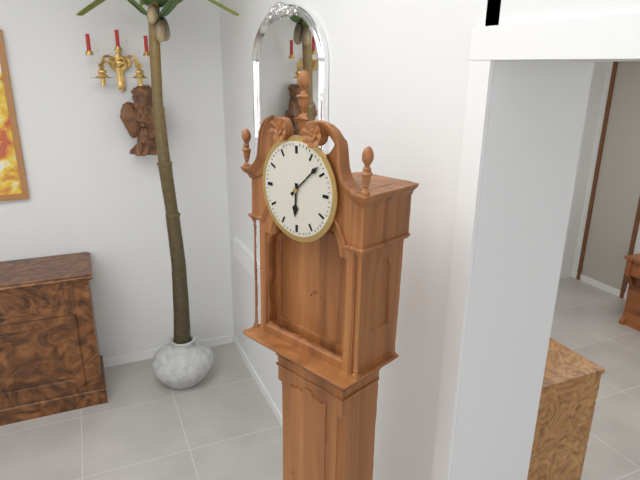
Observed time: **6:08**
